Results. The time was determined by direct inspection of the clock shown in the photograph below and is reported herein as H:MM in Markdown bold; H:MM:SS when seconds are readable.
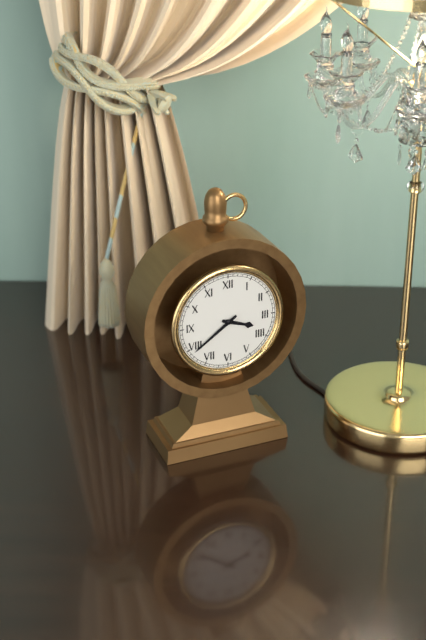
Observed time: **3:39**
